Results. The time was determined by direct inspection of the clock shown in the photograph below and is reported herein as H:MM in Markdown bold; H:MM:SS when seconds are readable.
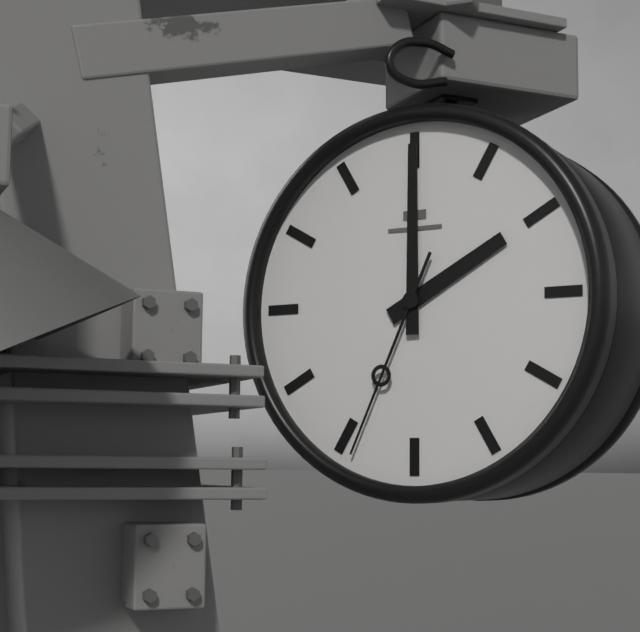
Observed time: **2:00:34**
